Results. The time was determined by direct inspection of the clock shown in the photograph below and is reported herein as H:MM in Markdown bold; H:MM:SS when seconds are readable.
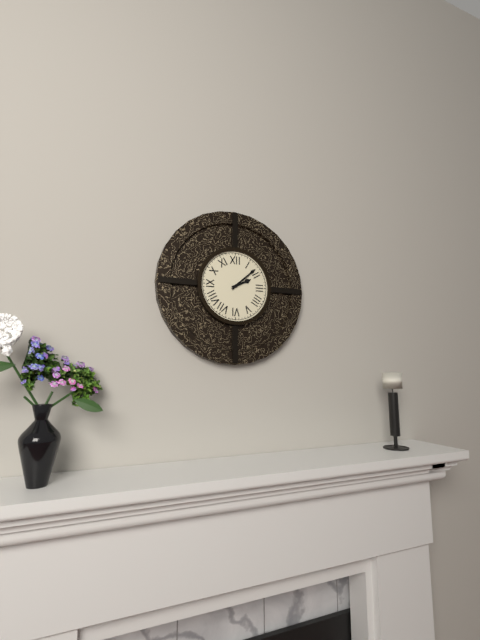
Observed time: **2:08**
